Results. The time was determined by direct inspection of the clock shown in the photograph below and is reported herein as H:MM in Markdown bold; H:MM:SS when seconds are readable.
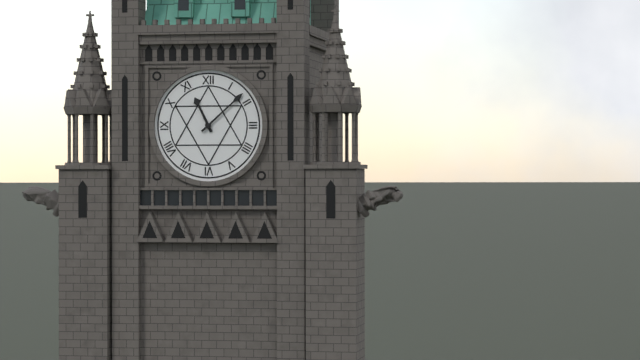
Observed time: **11:08**
